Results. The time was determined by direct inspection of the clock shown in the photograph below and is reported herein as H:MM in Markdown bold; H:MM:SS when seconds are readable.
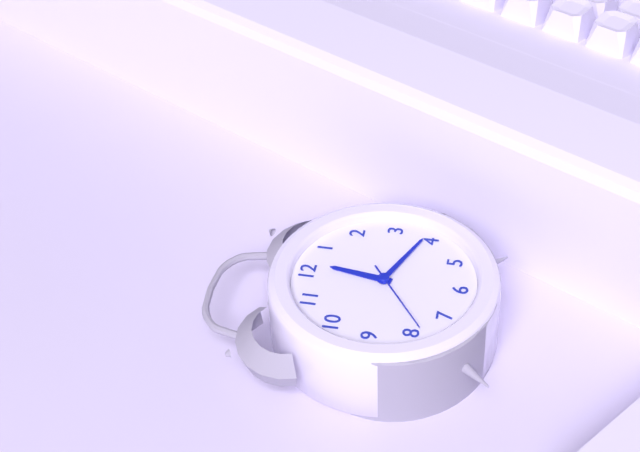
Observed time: **12:19:39**
